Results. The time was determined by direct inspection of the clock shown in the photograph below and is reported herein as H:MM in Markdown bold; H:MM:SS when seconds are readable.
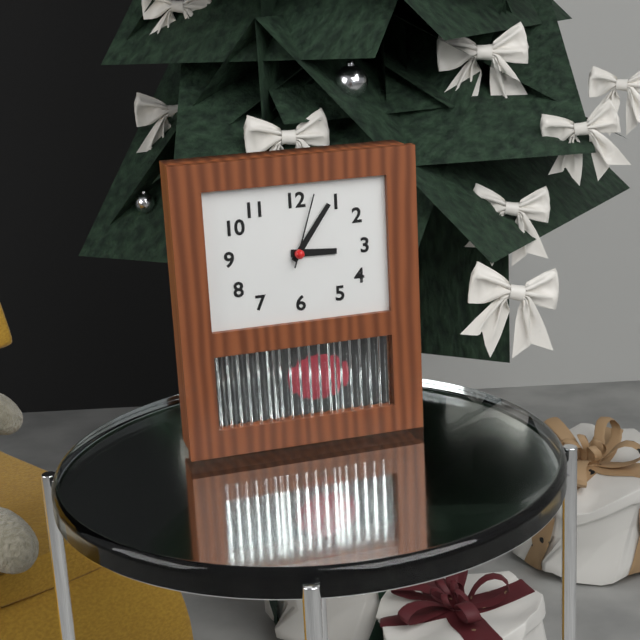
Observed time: **3:06:03**
